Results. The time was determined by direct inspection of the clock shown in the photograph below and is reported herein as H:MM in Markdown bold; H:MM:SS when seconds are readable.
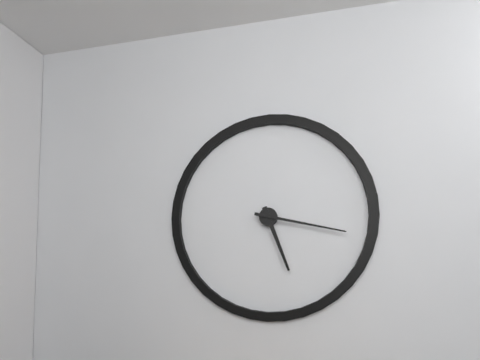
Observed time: **5:17**
